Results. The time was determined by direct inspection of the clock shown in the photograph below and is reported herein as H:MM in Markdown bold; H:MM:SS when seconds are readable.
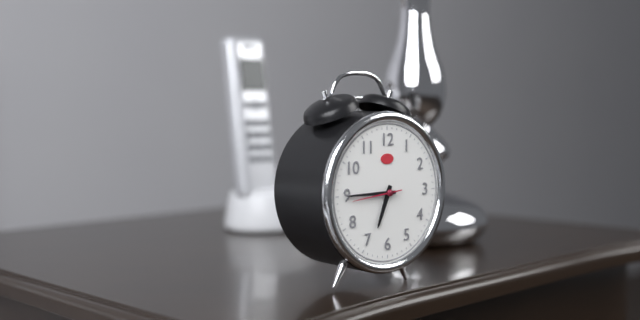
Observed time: **6:45**
